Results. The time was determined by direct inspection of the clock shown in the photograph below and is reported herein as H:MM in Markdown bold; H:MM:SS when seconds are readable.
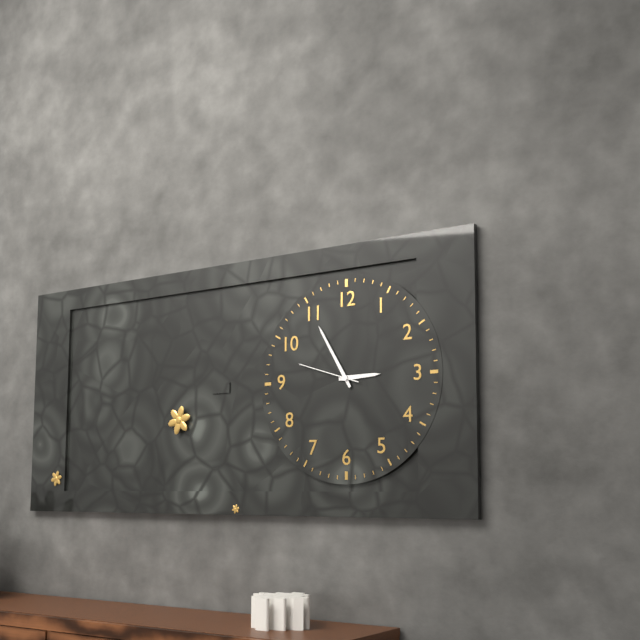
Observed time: **2:55:48**
